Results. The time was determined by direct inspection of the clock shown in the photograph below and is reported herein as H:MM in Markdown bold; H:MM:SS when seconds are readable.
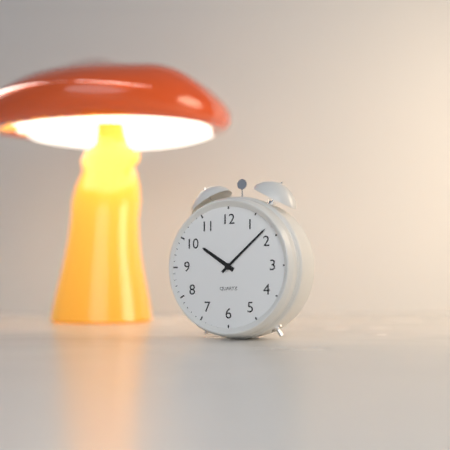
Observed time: **10:08**
